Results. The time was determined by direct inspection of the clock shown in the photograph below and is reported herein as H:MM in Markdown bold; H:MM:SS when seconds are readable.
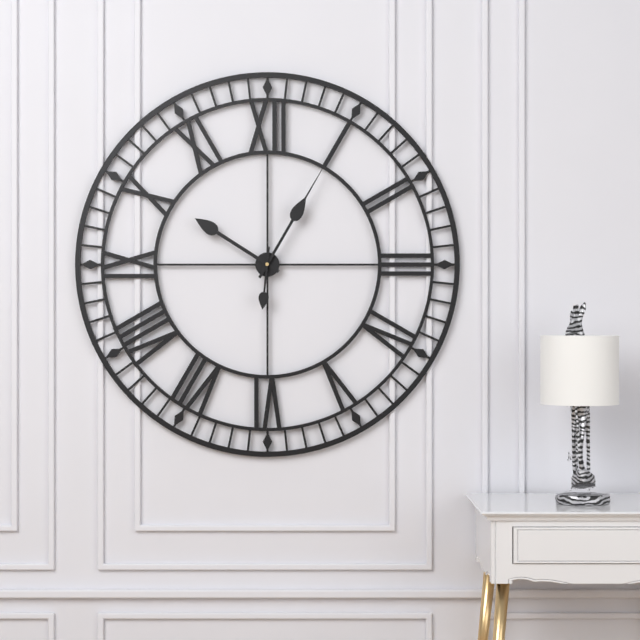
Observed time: **10:05:31**
